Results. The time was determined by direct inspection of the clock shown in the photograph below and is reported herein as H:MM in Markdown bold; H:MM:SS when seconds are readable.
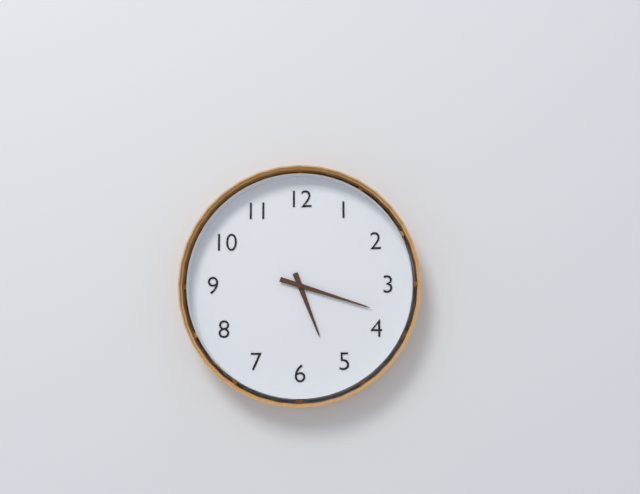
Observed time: **5:18**
